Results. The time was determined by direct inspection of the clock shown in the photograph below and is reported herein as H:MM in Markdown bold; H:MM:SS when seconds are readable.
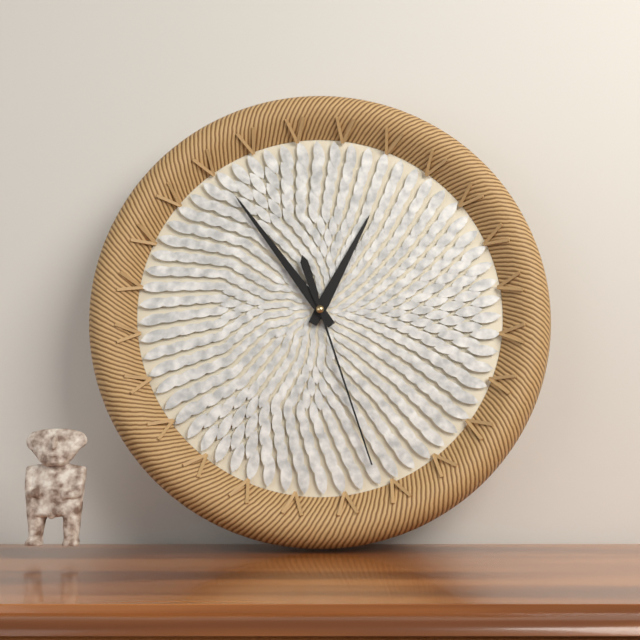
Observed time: **12:54:27**
